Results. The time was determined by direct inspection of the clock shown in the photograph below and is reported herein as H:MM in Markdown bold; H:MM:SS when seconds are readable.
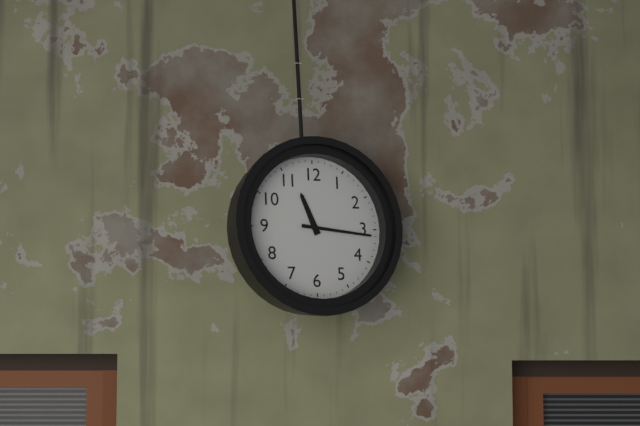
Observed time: **11:16**
